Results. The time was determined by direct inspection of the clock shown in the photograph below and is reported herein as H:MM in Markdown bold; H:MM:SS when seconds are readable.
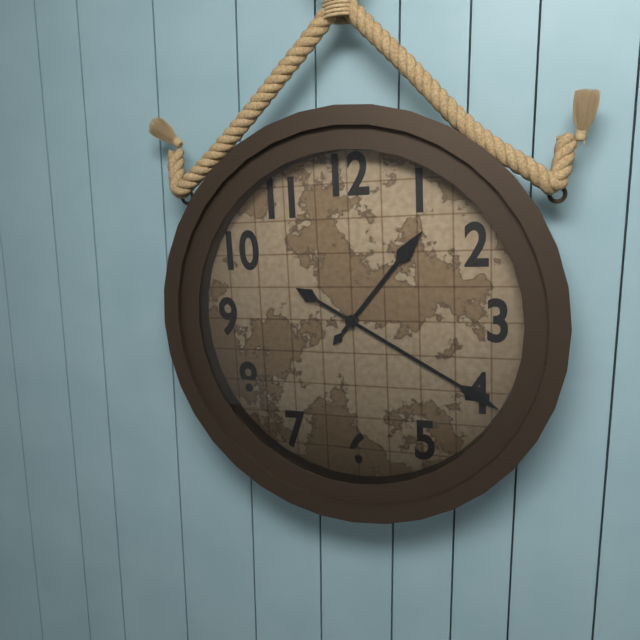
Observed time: **1:20**
